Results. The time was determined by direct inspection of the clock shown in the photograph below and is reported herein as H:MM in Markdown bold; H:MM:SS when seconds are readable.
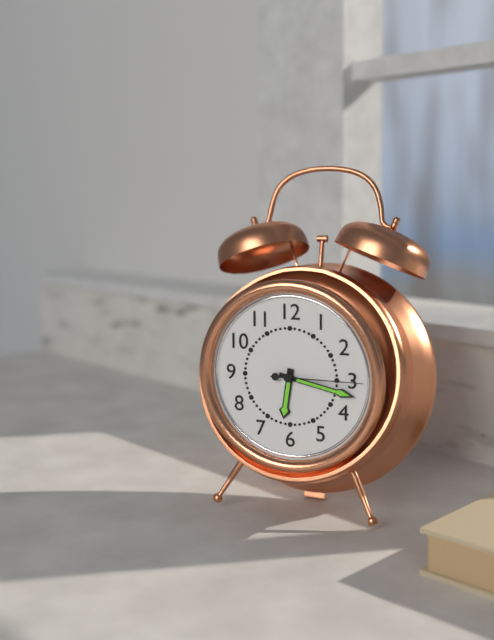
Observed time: **6:17:15**
